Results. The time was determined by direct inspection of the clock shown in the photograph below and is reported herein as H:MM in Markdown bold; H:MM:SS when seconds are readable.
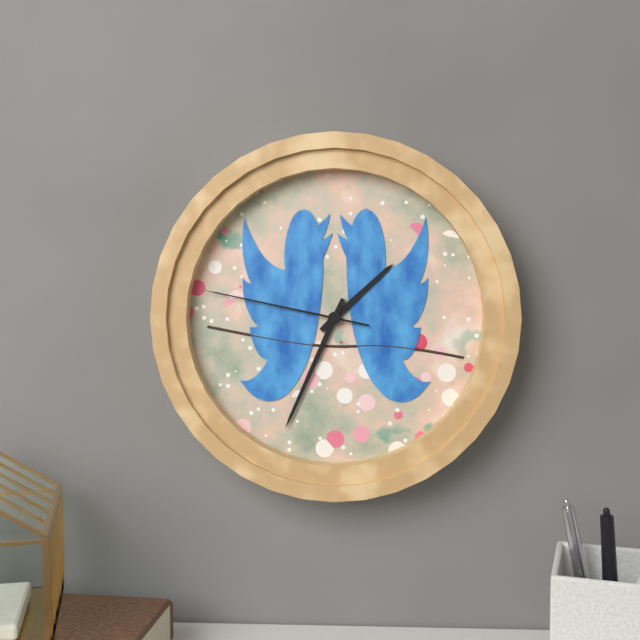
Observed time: **1:34:47**
